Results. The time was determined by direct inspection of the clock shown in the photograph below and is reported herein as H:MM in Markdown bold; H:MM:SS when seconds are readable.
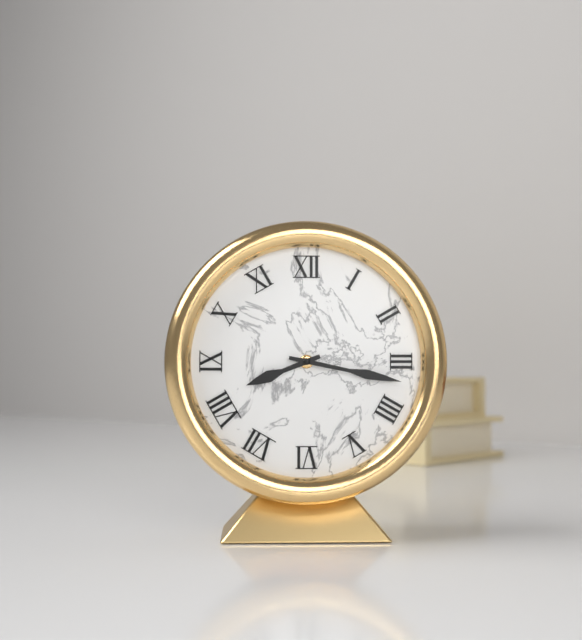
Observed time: **8:17**
